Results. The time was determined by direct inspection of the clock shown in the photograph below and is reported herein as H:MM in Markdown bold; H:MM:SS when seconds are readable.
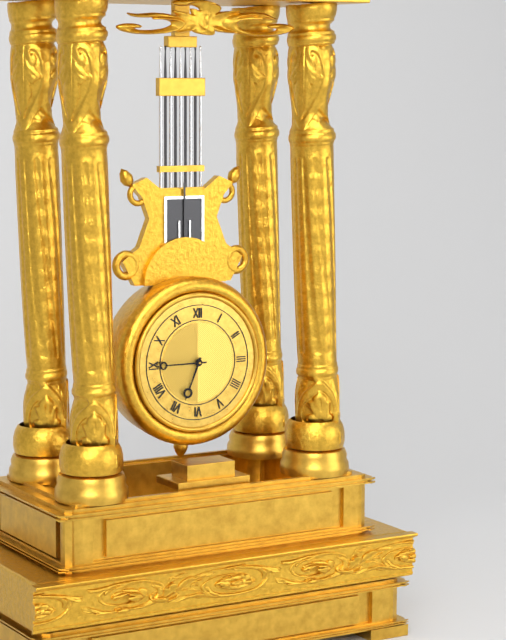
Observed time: **6:45**
